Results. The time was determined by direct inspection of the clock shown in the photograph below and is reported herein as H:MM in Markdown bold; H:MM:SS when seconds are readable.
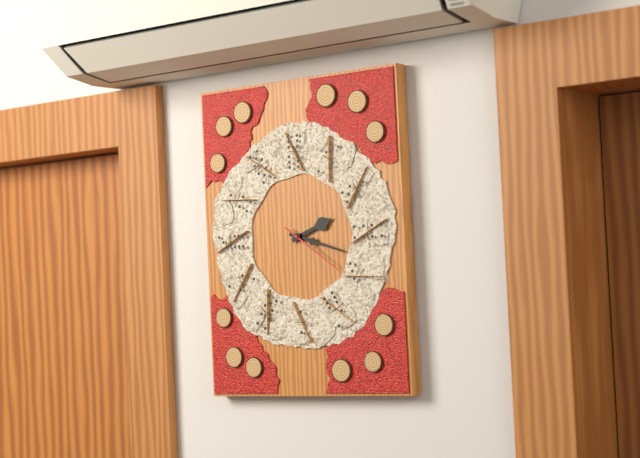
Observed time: **2:18:21**
